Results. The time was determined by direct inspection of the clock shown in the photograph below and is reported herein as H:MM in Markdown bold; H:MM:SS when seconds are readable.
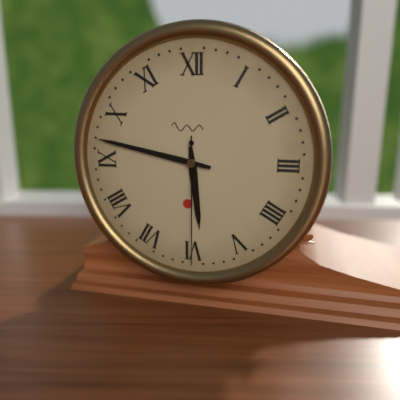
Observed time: **5:47:30**
